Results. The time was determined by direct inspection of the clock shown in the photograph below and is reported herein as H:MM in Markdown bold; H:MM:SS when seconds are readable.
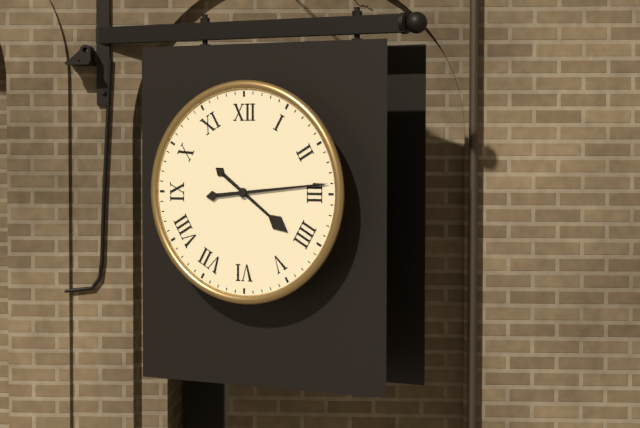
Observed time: **4:14**
